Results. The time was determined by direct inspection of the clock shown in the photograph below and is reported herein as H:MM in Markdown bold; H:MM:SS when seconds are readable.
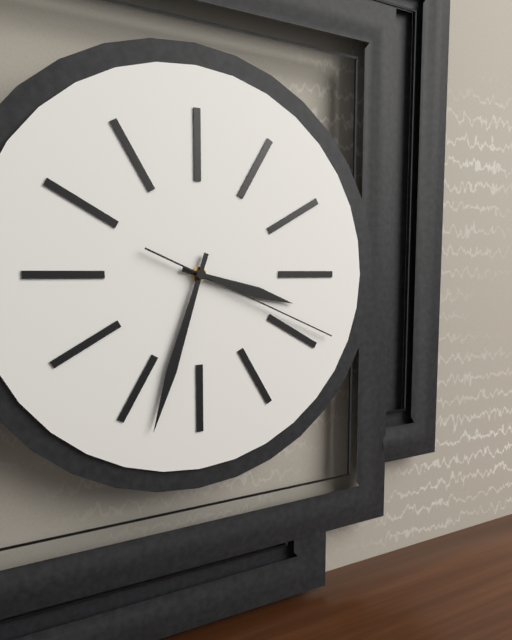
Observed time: **3:33:19**
